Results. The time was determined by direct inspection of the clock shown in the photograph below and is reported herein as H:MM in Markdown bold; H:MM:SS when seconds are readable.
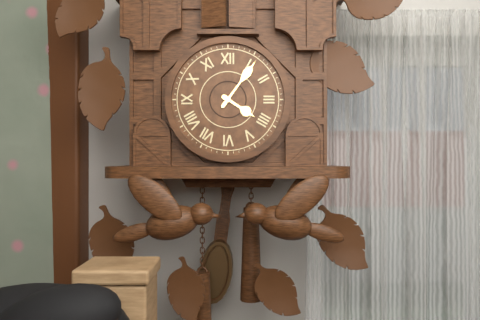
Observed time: **4:06**
